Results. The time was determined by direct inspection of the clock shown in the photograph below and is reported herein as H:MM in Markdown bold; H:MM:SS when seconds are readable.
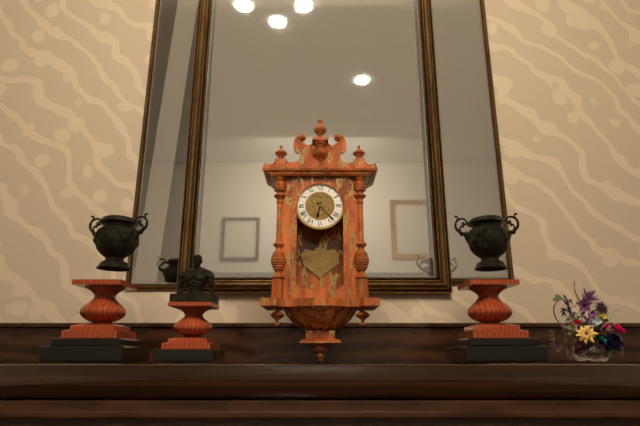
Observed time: **6:23**
